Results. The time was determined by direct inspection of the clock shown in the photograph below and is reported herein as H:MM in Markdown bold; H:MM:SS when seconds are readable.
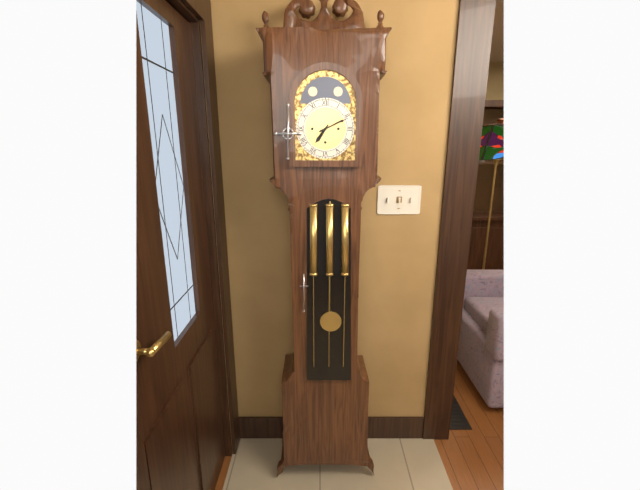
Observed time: **7:11**
